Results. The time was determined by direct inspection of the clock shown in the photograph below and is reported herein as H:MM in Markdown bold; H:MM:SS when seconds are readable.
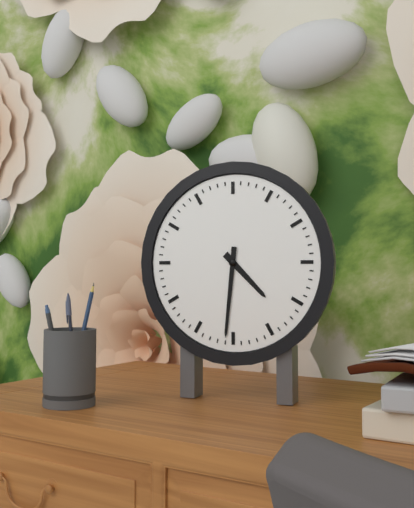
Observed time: **4:31**
